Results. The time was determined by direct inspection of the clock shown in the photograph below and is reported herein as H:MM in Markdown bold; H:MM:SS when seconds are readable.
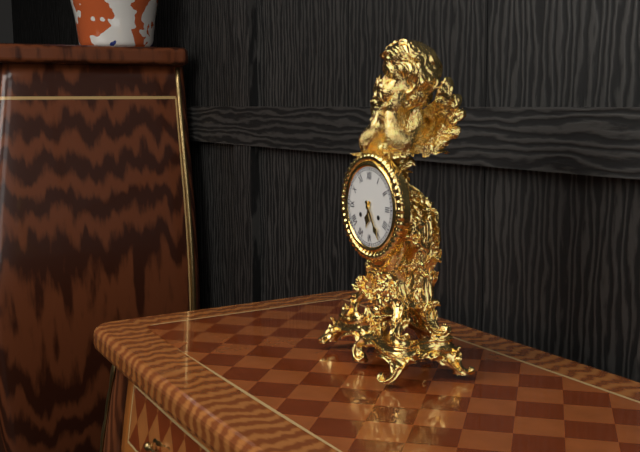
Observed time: **6:25**
